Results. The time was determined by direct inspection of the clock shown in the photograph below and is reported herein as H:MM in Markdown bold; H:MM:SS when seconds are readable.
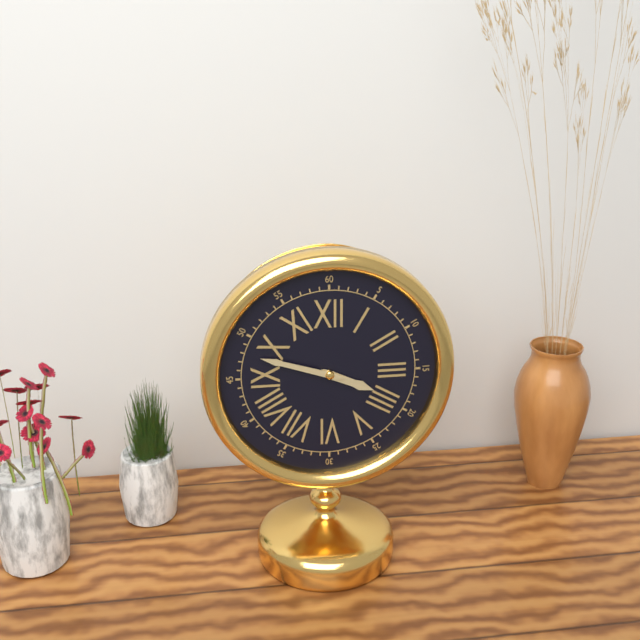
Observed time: **3:48**
